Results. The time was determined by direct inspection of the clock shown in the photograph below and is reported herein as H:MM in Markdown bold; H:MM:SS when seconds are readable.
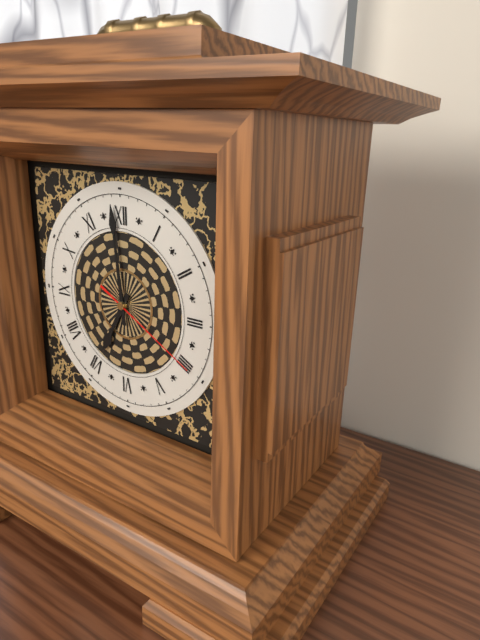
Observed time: **6:59:20**
